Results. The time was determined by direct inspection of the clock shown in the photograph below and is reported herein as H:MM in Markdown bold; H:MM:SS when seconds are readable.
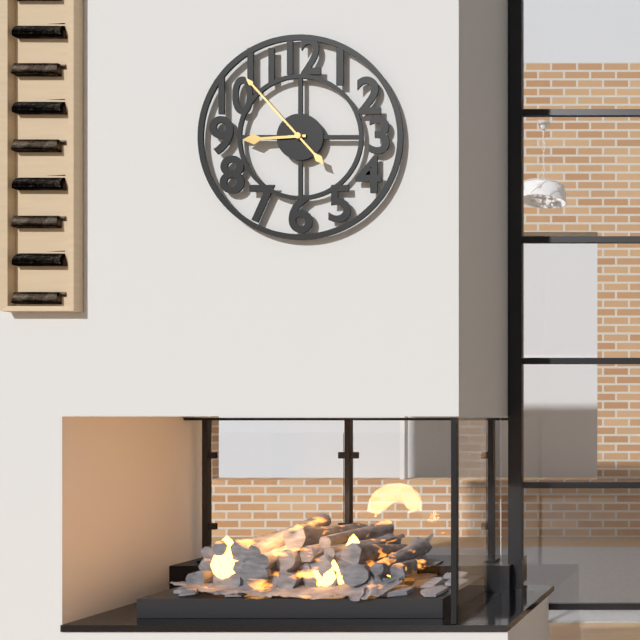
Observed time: **8:53**
